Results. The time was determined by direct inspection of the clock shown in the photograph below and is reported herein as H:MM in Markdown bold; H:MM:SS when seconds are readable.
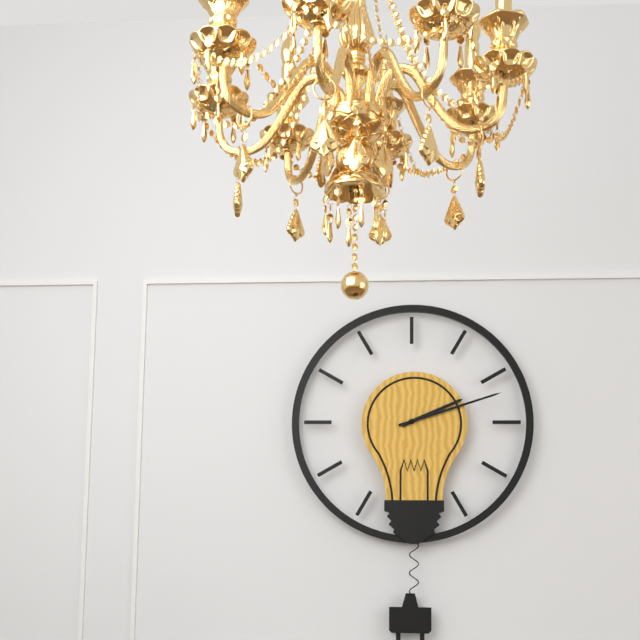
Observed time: **2:12**
